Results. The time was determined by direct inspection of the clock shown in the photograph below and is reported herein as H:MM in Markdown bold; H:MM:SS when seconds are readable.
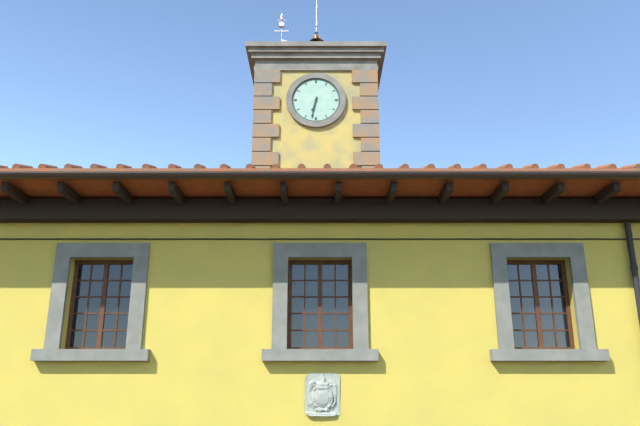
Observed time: **6:32**
